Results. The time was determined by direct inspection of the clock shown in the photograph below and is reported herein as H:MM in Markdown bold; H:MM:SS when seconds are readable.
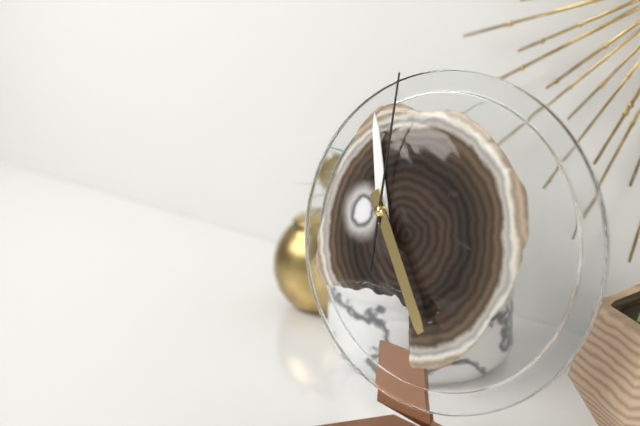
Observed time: **11:24:00**
